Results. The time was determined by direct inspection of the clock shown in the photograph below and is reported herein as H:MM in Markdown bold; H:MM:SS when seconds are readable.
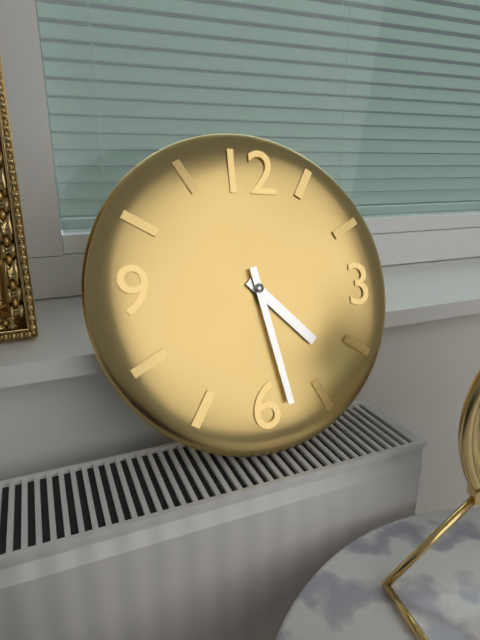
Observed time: **4:28**
